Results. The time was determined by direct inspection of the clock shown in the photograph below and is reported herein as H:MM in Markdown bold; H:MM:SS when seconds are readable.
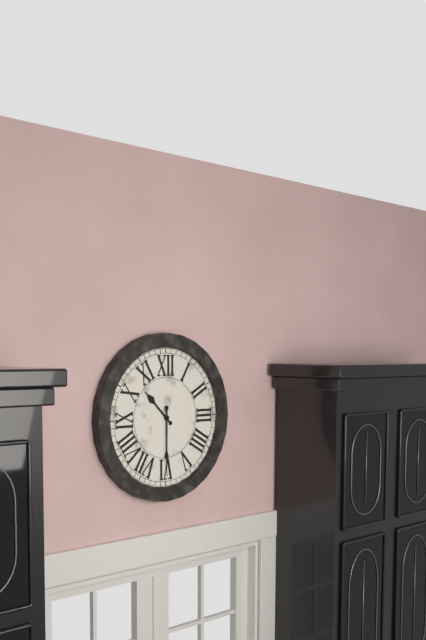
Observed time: **10:30**
